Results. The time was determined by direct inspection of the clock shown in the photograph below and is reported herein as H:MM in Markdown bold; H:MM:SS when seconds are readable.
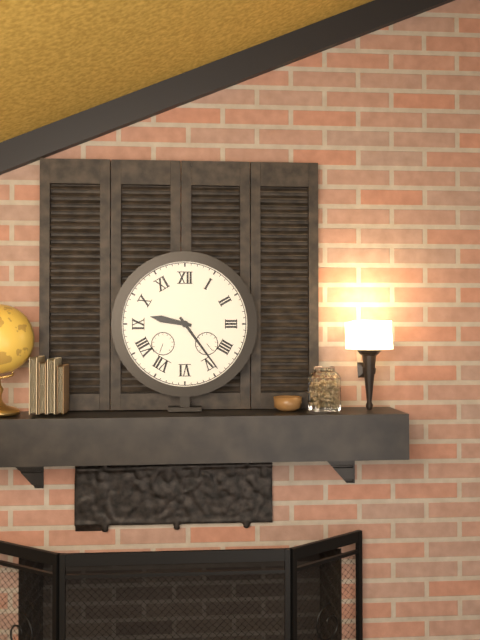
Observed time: **9:24**
